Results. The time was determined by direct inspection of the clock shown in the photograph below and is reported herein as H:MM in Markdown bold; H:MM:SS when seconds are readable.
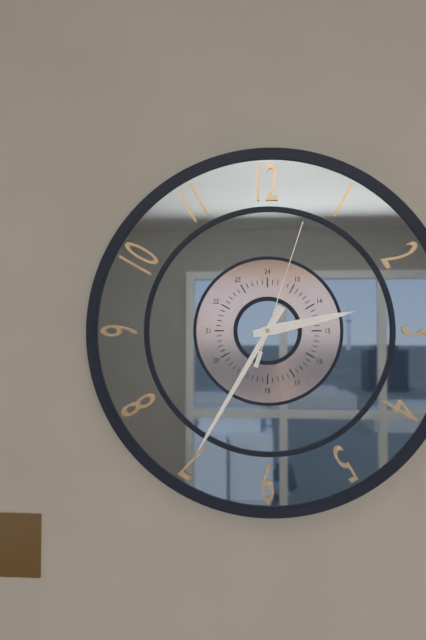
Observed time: **2:35:03**
